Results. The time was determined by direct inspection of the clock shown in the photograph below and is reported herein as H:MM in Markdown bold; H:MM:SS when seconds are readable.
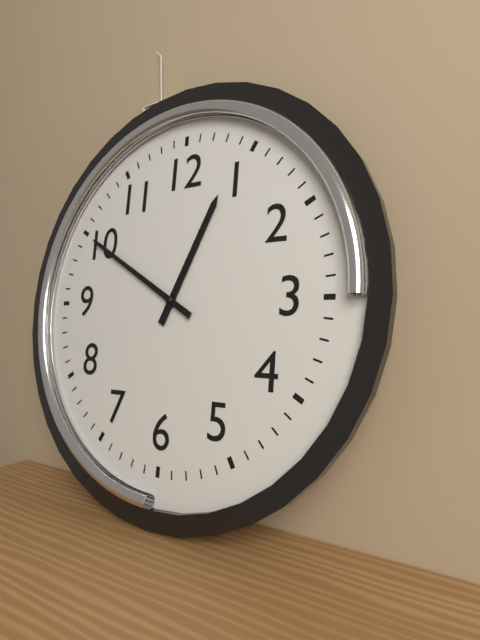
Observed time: **12:50**
